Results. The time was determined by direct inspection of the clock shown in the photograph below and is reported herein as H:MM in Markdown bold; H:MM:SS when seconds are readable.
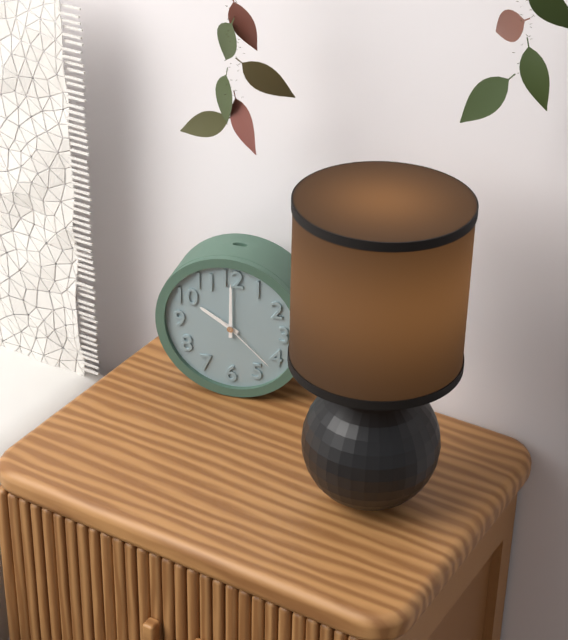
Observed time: **10:00:22**
